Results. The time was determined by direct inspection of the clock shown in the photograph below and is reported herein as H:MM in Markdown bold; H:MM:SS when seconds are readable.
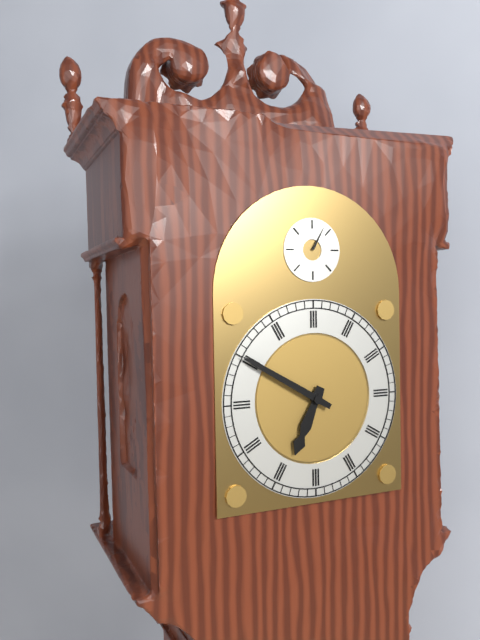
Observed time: **6:50**
